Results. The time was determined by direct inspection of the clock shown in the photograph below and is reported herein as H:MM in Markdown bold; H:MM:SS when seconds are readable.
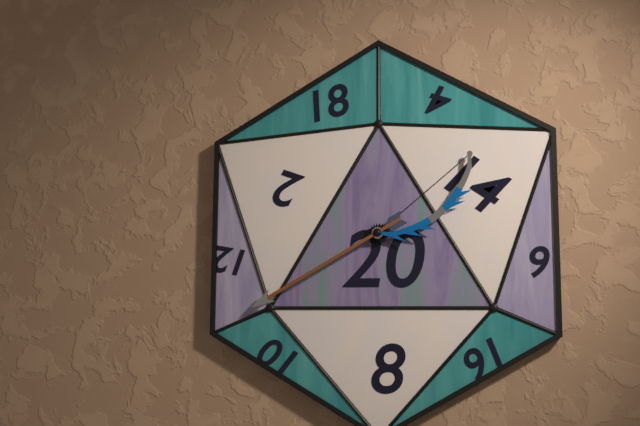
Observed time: **1:40**
